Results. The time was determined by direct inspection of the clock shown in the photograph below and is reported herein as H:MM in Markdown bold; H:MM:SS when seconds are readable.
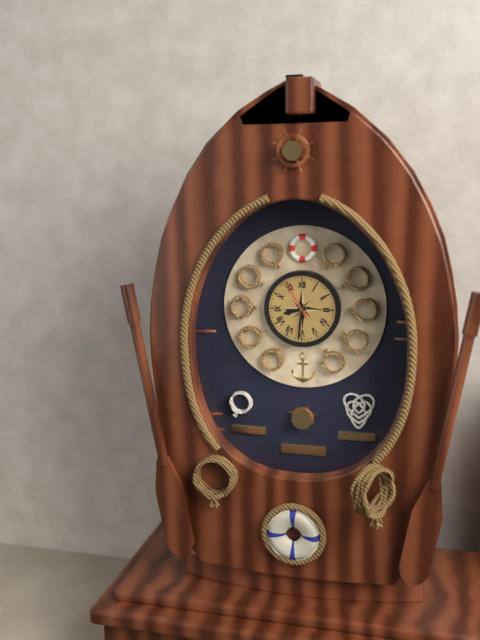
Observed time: **8:31**
